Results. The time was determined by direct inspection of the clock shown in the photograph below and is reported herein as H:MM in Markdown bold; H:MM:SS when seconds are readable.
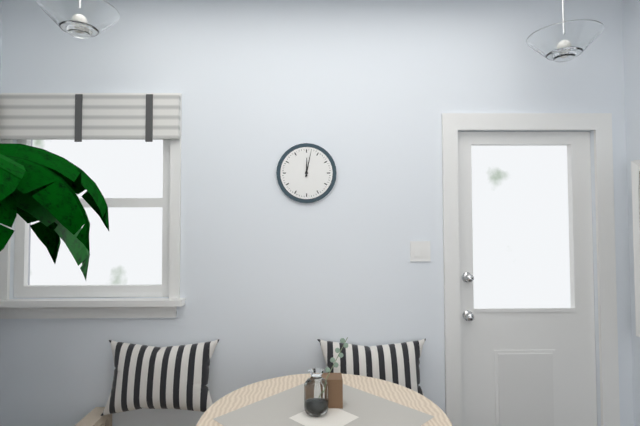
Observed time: **12:02**
